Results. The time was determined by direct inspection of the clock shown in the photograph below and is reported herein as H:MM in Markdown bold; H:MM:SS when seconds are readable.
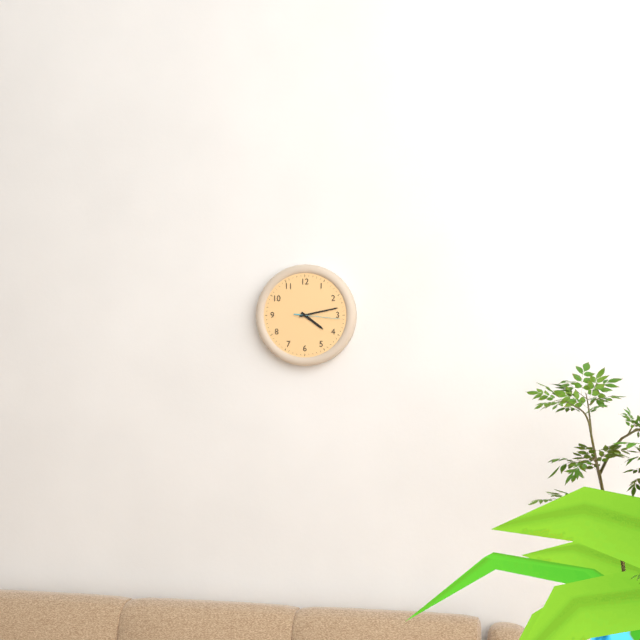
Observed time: **4:13**
